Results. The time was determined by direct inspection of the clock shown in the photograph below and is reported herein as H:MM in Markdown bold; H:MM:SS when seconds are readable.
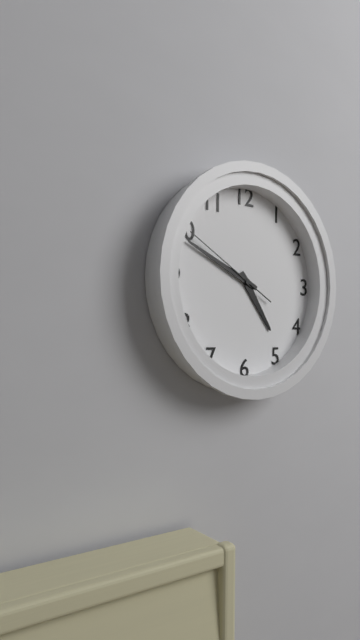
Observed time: **4:49:50**
